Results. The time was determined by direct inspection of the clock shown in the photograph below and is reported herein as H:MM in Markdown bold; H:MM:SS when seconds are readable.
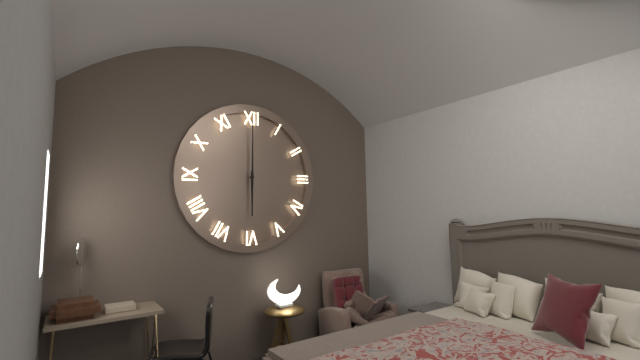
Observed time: **6:00**
